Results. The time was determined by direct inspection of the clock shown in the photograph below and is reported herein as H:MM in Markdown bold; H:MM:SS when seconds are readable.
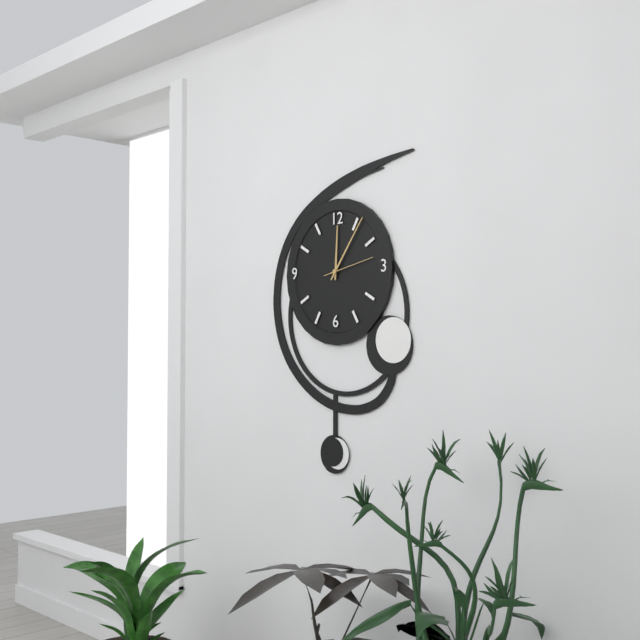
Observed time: **12:06:13**
